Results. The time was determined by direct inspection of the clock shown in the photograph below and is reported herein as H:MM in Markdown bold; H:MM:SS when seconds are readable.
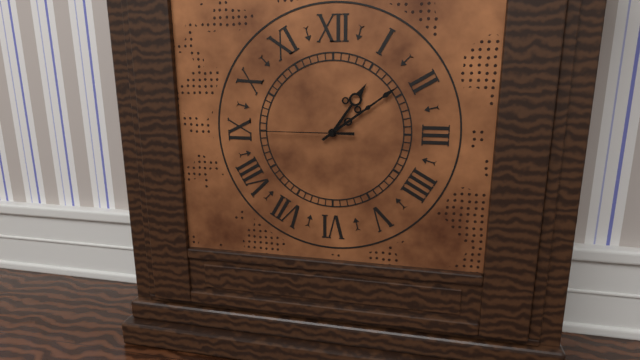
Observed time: **1:09:45**
